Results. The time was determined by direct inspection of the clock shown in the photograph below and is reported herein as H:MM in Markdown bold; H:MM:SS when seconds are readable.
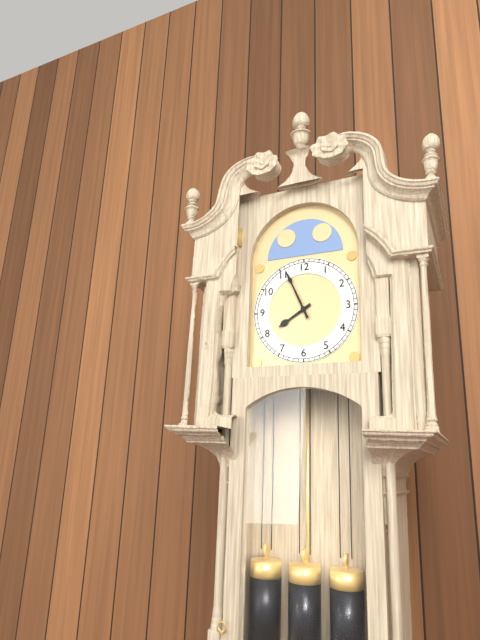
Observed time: **7:56**
